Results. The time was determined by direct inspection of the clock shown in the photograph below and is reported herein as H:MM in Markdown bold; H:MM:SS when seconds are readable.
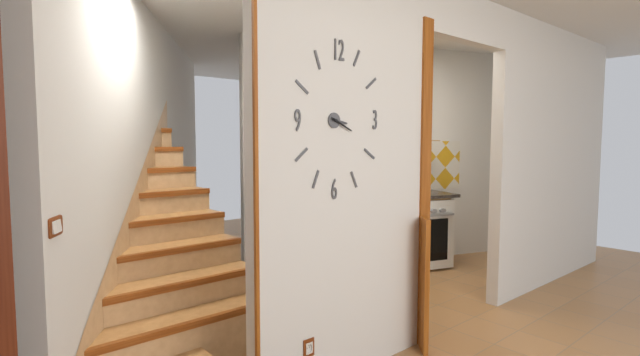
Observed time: **3:19**
